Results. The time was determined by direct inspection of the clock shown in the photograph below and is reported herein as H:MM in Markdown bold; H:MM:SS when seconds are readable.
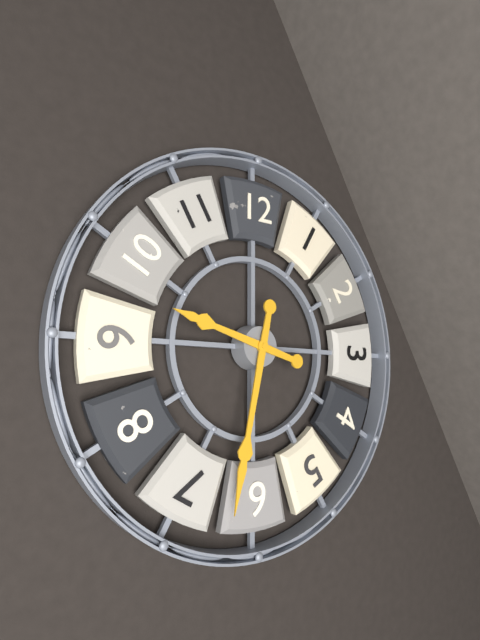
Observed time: **9:32**
